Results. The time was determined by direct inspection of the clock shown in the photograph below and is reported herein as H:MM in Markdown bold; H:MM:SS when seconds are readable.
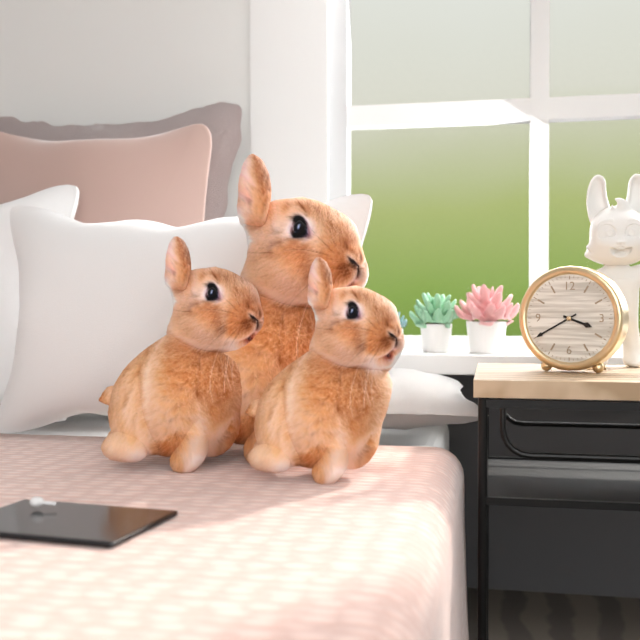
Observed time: **3:40**
